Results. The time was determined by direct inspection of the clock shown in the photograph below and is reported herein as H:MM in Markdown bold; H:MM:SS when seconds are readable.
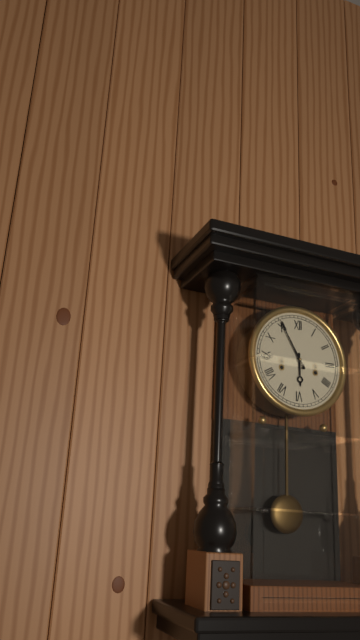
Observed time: **5:55**
